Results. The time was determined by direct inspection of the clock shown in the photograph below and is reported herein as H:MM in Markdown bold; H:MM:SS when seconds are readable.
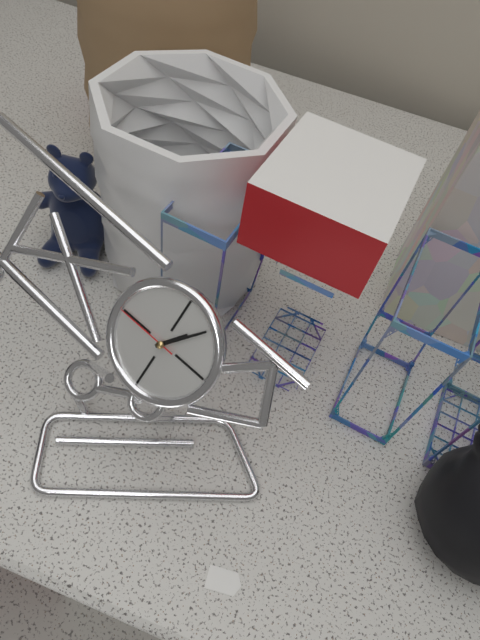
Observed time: **1:06:45**
